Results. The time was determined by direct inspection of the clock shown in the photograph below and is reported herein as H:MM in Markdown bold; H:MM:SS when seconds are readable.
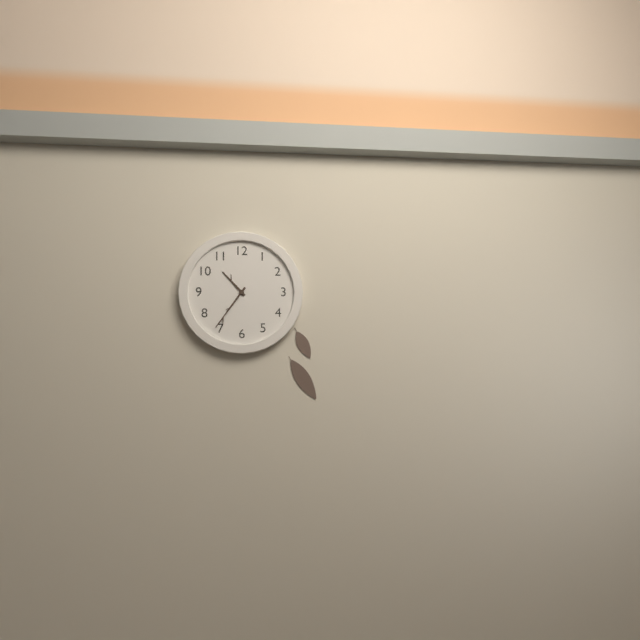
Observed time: **10:36**
